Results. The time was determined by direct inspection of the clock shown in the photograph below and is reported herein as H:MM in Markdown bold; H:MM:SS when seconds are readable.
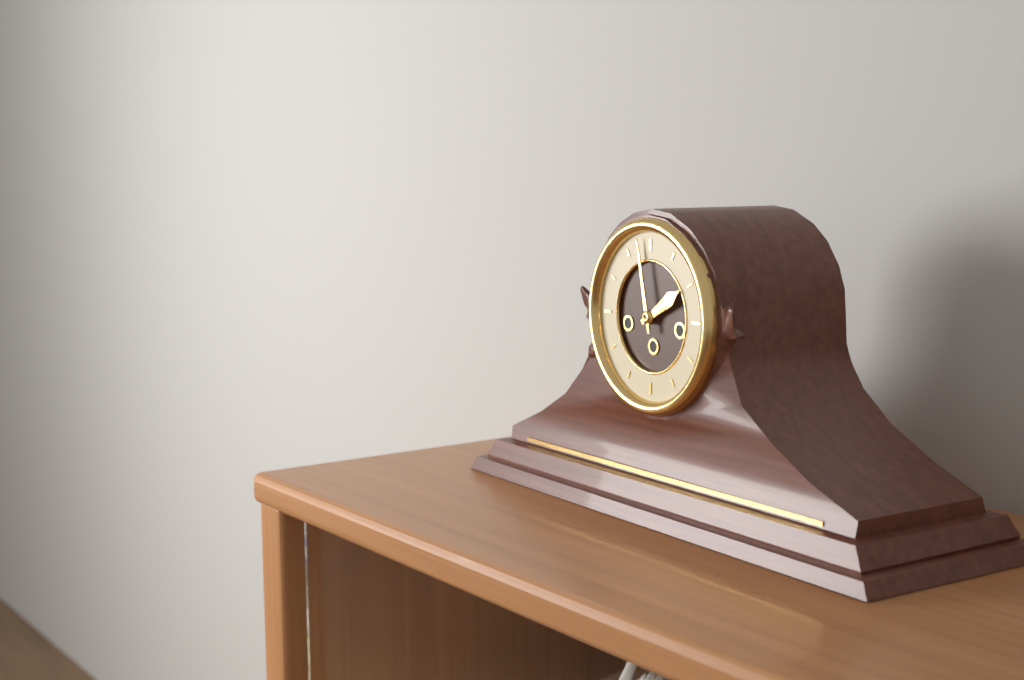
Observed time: **1:58**
